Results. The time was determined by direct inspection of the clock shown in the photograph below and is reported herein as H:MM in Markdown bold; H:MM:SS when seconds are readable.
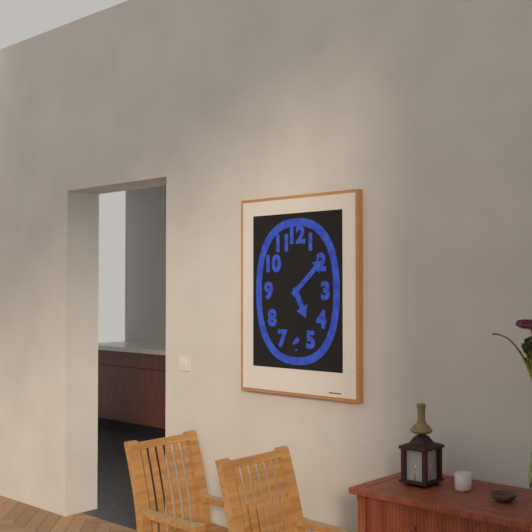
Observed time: **5:08**
